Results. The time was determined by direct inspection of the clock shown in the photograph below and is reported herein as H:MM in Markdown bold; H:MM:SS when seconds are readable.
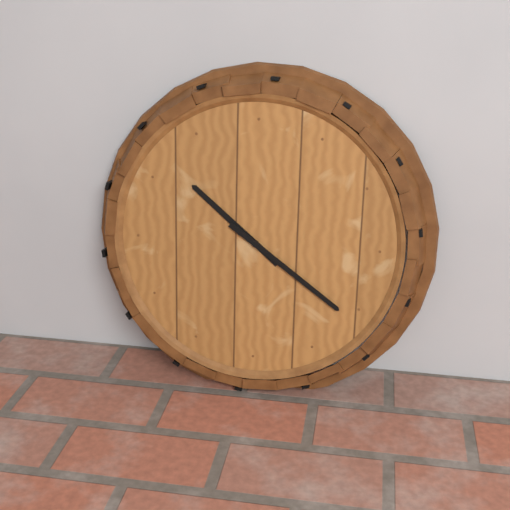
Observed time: **10:21**
